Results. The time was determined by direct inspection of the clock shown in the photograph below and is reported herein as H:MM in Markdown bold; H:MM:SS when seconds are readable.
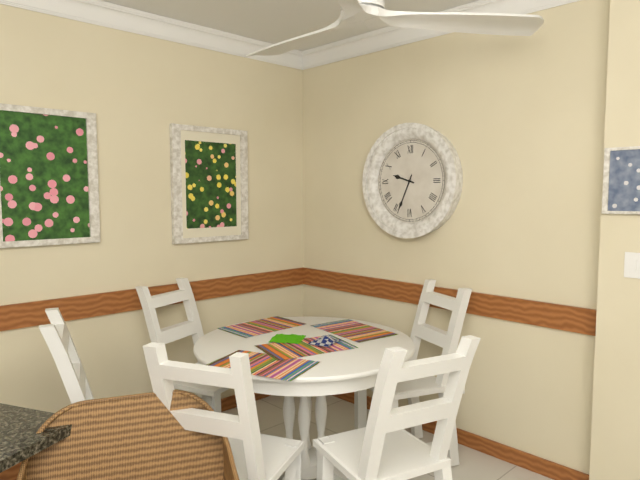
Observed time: **9:34**
